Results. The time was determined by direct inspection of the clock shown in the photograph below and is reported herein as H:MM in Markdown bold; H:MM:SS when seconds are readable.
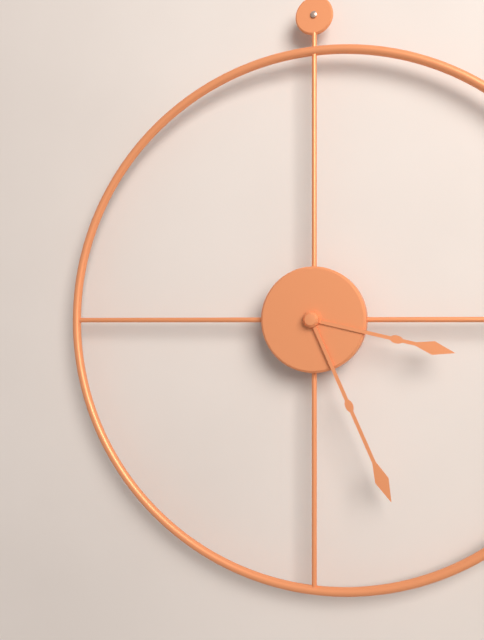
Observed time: **3:26**
